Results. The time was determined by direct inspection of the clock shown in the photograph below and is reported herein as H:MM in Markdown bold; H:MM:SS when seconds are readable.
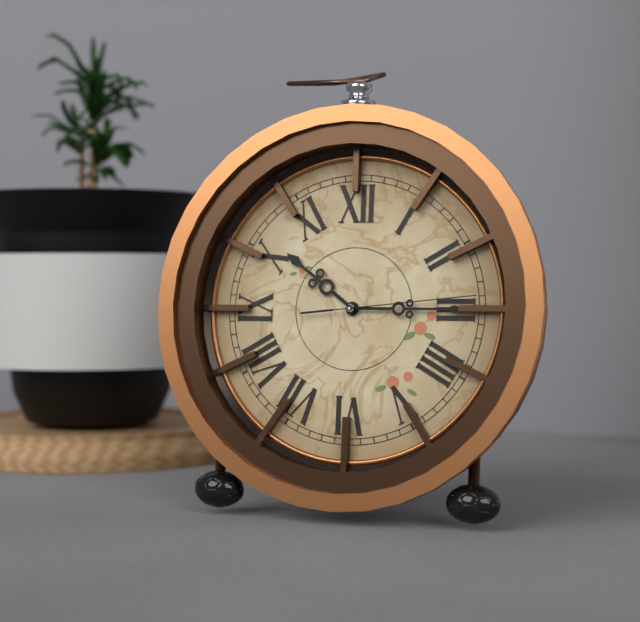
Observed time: **10:15:14**
